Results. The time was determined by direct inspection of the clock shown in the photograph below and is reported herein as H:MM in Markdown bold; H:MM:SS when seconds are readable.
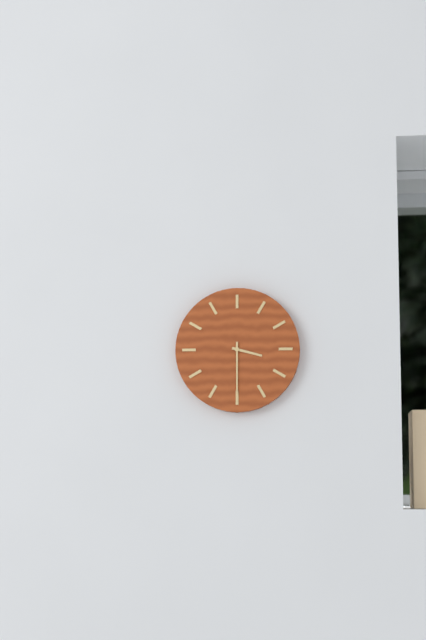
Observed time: **3:30**
